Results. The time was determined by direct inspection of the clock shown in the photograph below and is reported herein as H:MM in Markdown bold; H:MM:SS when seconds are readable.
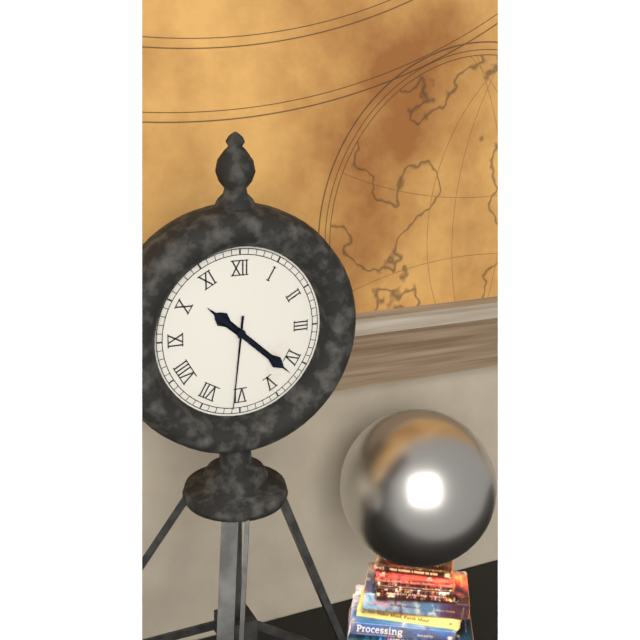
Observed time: **10:22:31**
